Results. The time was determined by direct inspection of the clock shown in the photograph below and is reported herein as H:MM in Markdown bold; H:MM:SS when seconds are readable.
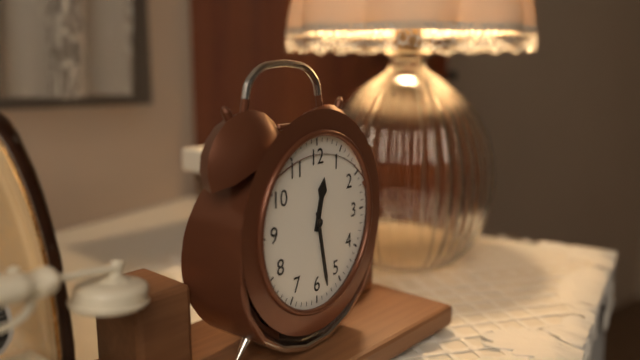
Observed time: **12:28**
